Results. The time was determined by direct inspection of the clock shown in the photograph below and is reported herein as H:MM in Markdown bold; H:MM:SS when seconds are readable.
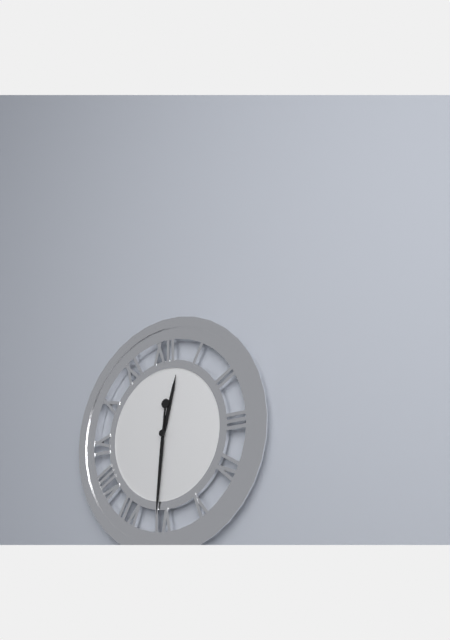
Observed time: **12:31**
